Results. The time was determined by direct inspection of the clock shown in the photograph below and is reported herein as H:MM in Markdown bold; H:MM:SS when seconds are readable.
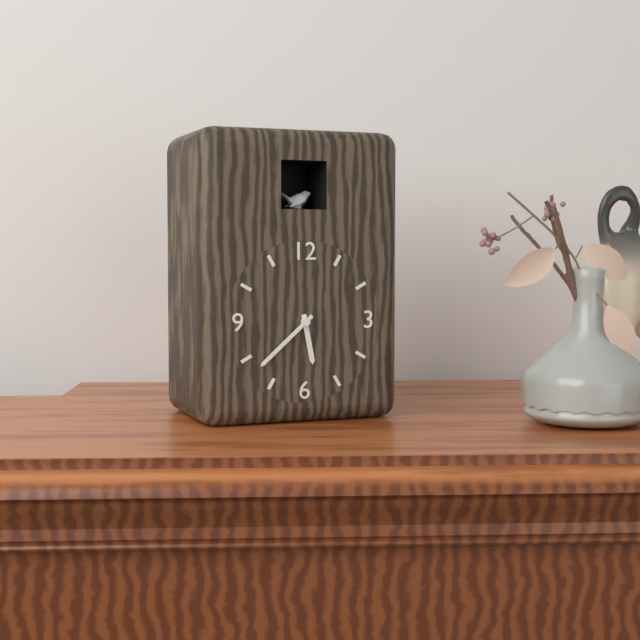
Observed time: **5:38**
